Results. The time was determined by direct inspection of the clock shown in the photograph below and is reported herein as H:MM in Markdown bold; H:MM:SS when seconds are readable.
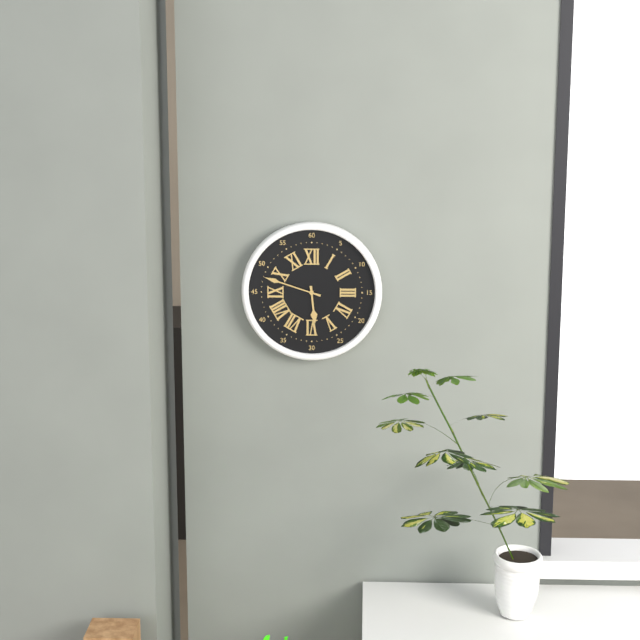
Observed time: **5:48**
